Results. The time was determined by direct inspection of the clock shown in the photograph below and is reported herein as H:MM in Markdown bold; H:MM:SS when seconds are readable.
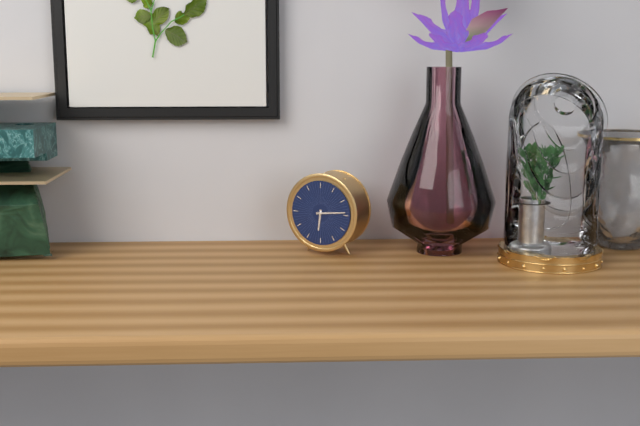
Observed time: **6:14**
